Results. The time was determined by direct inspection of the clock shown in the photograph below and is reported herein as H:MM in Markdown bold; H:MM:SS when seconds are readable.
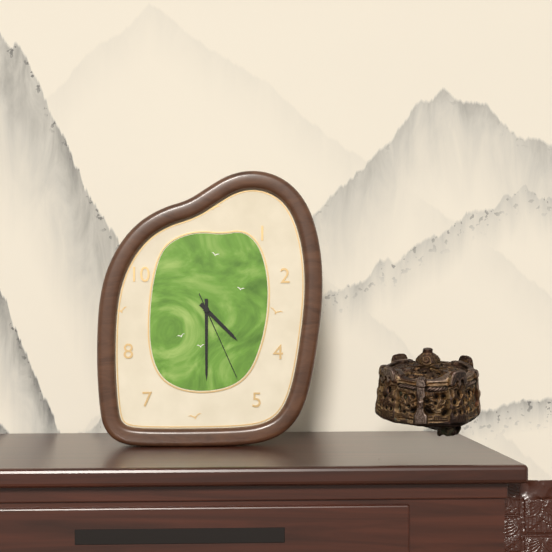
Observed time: **4:30:26**
